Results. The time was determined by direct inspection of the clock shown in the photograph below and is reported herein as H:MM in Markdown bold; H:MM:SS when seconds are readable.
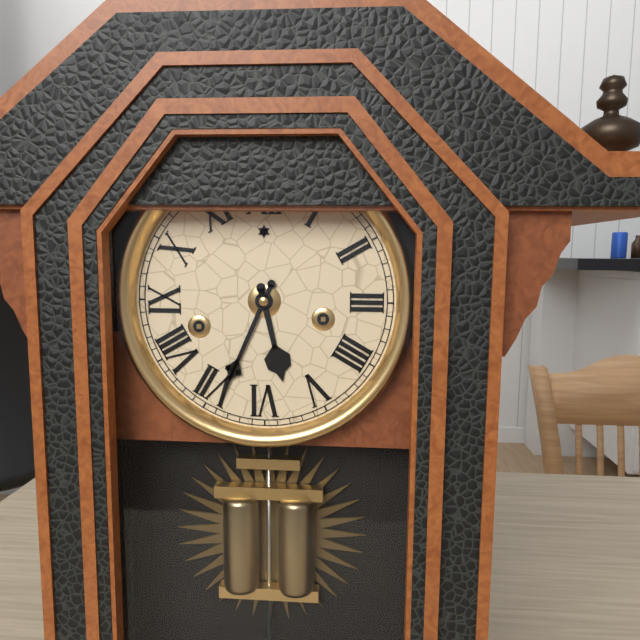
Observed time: **5:34**
